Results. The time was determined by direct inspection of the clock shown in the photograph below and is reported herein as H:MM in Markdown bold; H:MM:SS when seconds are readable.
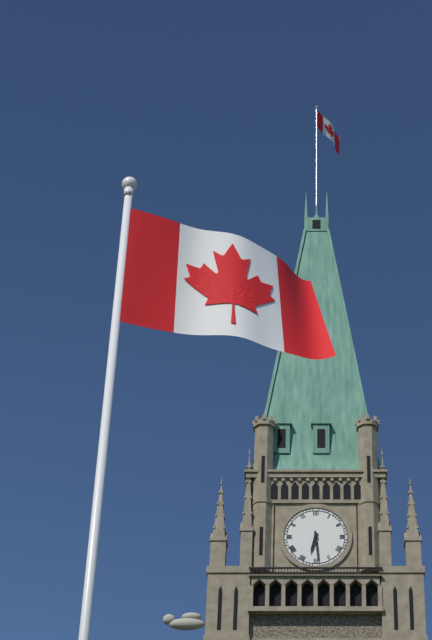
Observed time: **6:29**
